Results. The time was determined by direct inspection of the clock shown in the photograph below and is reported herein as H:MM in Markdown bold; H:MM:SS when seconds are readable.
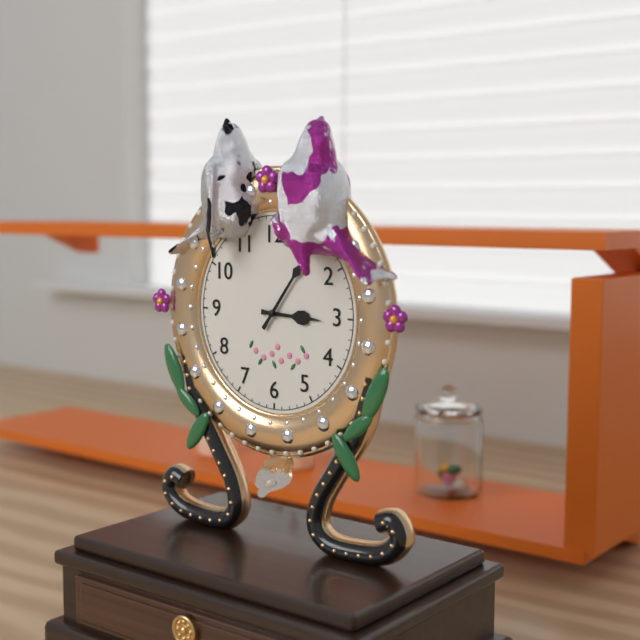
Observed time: **3:06**
